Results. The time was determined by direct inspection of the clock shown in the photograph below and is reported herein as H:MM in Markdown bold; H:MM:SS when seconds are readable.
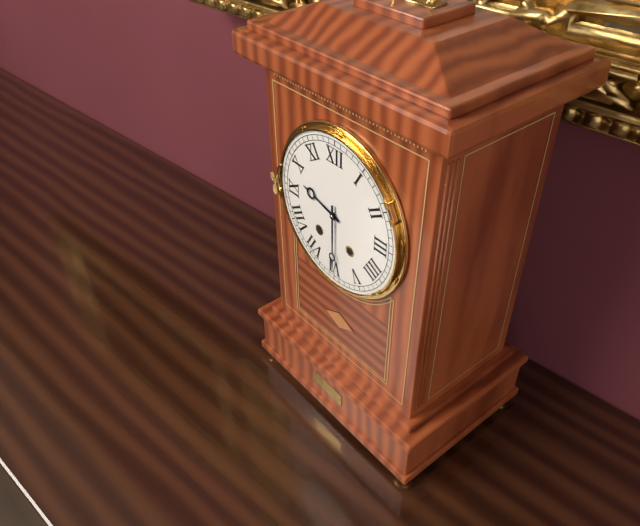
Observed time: **9:30**
